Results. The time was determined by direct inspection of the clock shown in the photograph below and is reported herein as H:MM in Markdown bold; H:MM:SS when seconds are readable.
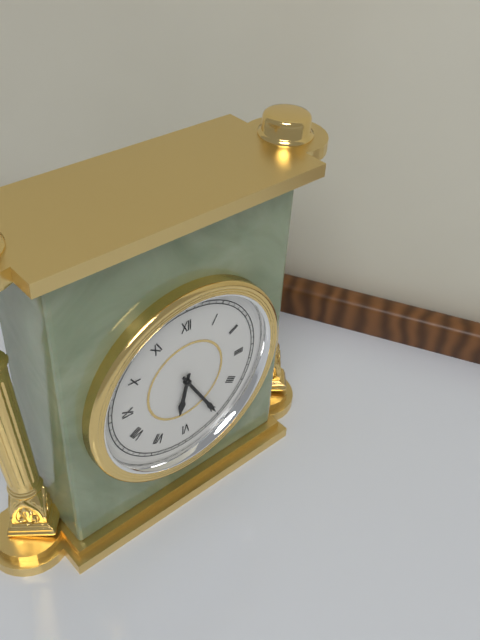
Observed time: **6:25**
